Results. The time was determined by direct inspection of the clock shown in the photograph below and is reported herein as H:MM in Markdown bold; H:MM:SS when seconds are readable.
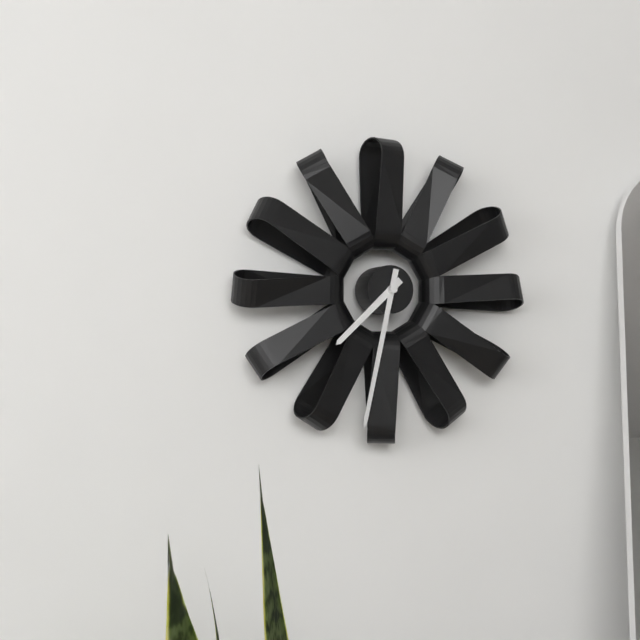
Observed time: **7:32**
